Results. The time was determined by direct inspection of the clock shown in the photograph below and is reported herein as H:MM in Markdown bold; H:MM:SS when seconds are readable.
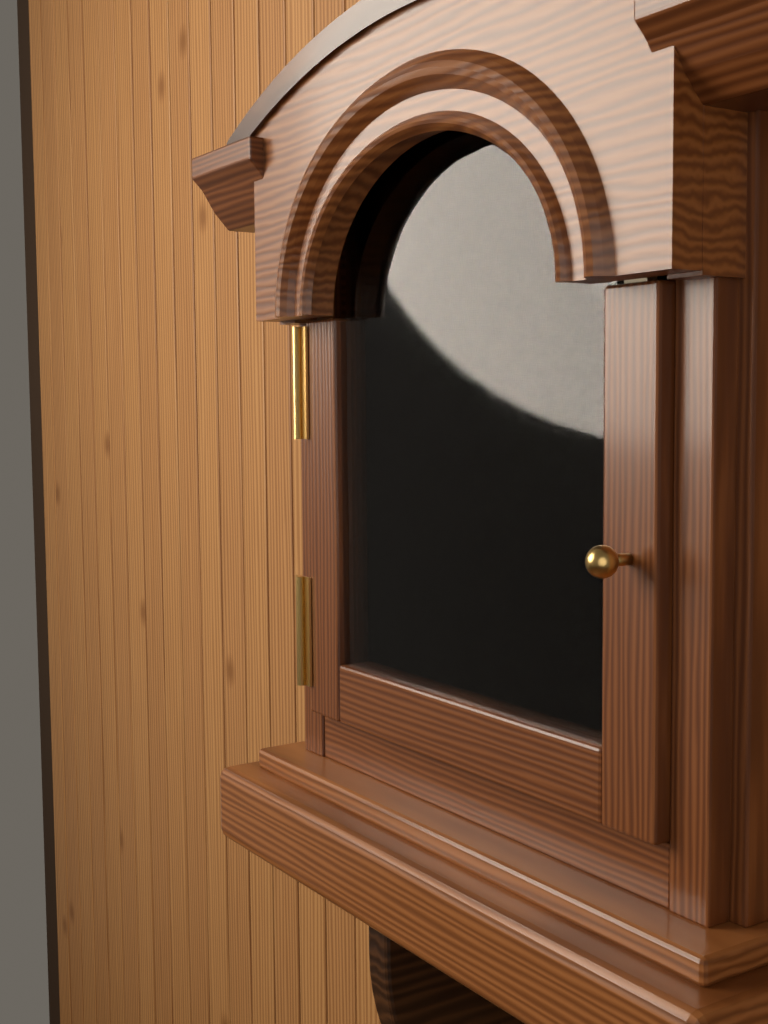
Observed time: **7:38**
